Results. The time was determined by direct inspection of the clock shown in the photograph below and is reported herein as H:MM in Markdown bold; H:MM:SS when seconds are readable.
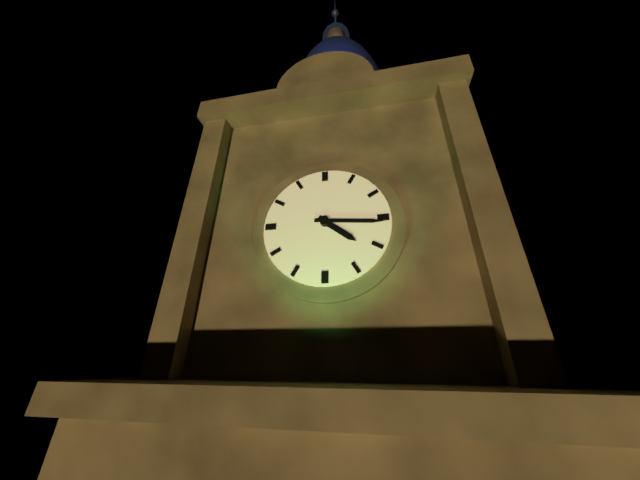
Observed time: **4:16**
